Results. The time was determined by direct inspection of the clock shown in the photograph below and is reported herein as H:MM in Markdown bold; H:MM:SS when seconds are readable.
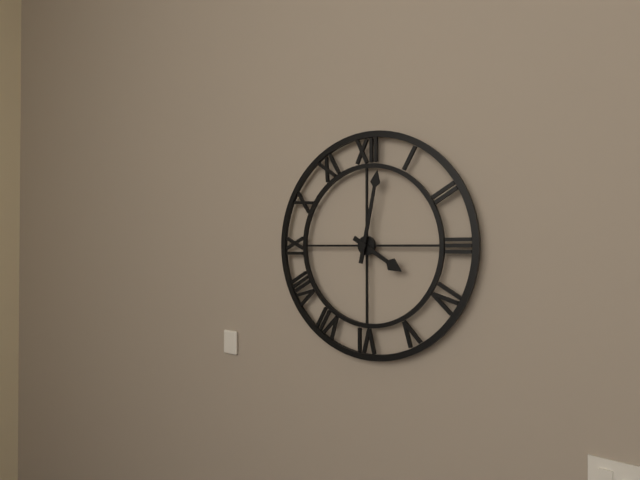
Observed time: **4:02**
